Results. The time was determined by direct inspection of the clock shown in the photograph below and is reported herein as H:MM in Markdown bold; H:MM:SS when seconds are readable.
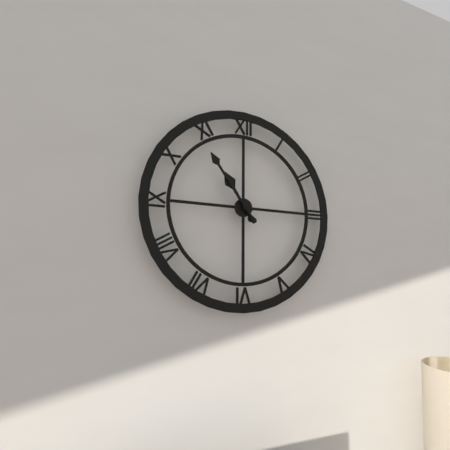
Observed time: **10:54**
